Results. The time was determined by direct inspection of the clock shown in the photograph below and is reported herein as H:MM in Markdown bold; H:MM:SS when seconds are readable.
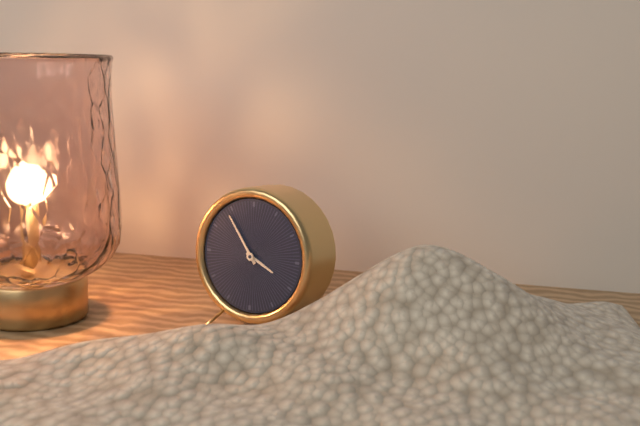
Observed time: **3:54**
